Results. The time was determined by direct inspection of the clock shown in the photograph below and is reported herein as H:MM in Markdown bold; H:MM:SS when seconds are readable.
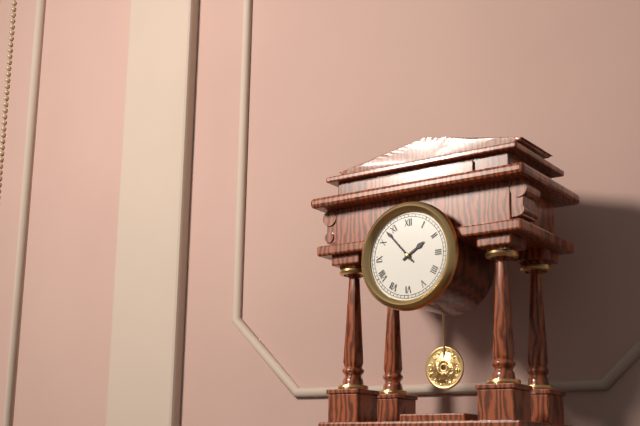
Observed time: **1:53**
